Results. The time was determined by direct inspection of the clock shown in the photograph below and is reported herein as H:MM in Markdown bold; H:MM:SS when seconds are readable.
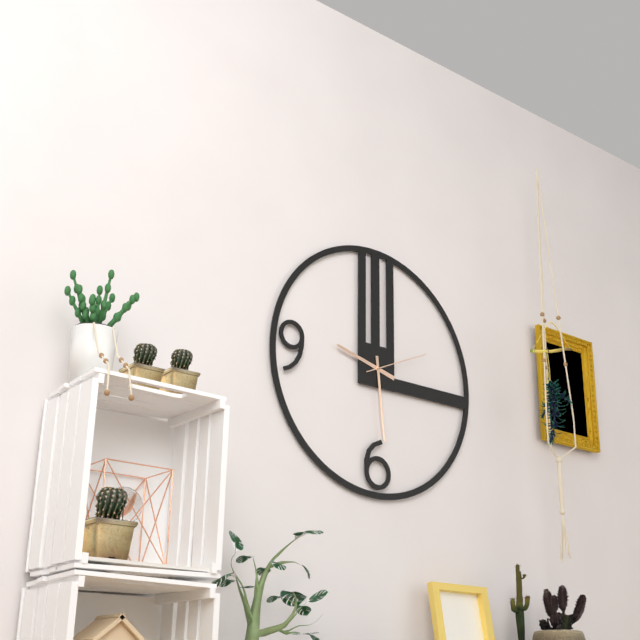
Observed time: **9:29:11**
